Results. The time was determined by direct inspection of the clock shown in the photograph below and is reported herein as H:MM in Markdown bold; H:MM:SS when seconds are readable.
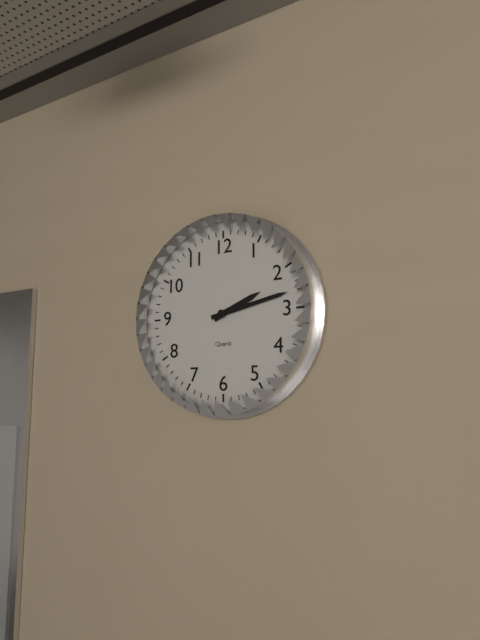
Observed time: **2:13**
